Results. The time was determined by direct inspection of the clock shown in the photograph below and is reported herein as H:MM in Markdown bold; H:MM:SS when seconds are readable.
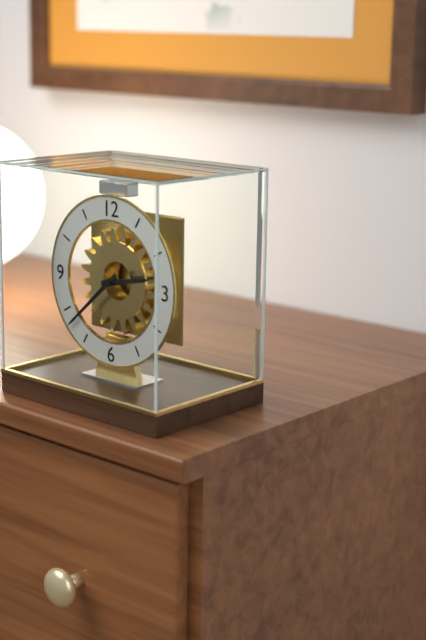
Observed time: **2:38**
